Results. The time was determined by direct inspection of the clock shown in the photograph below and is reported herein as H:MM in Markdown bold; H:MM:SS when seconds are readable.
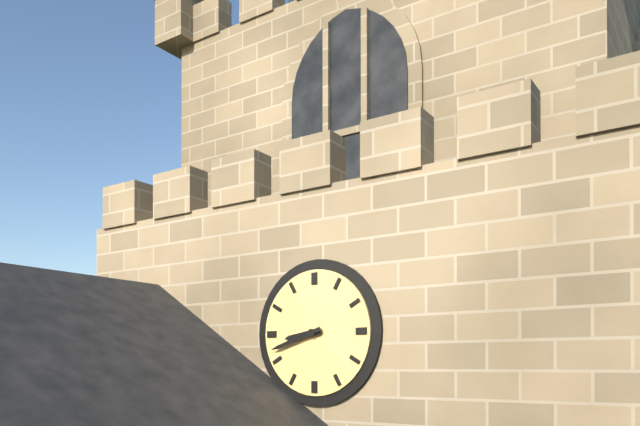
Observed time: **8:42**
